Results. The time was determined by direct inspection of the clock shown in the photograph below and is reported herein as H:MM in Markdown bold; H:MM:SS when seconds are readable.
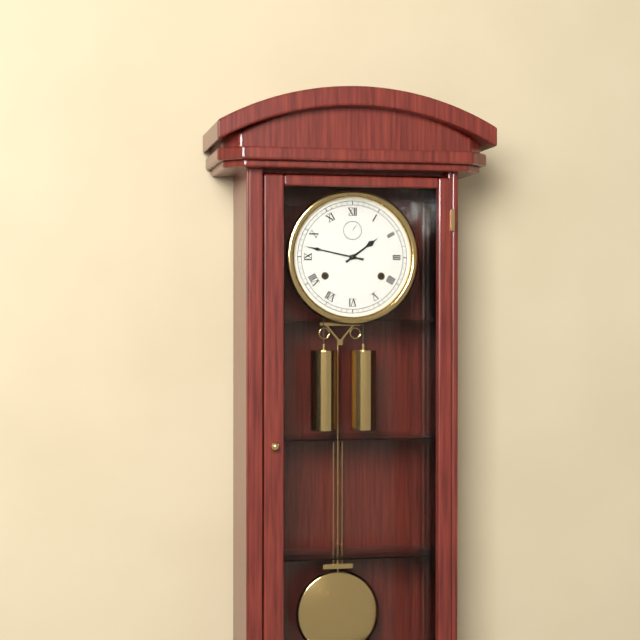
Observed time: **1:47**
